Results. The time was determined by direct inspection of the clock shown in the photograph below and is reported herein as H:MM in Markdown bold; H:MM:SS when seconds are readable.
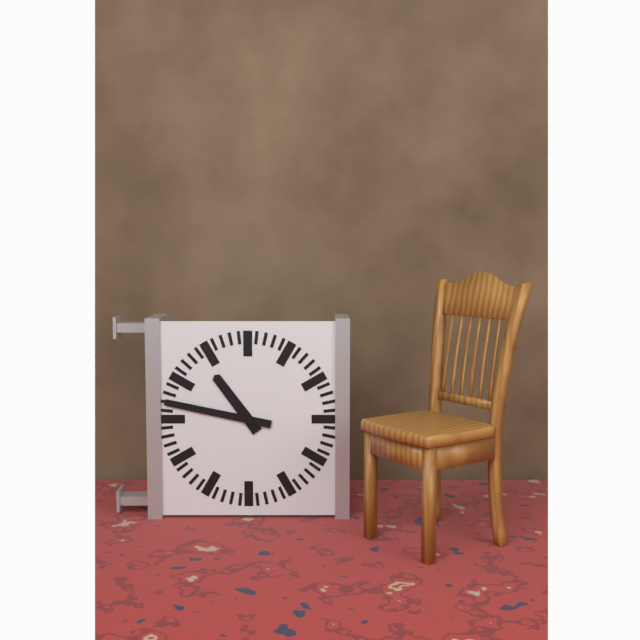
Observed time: **10:47**
